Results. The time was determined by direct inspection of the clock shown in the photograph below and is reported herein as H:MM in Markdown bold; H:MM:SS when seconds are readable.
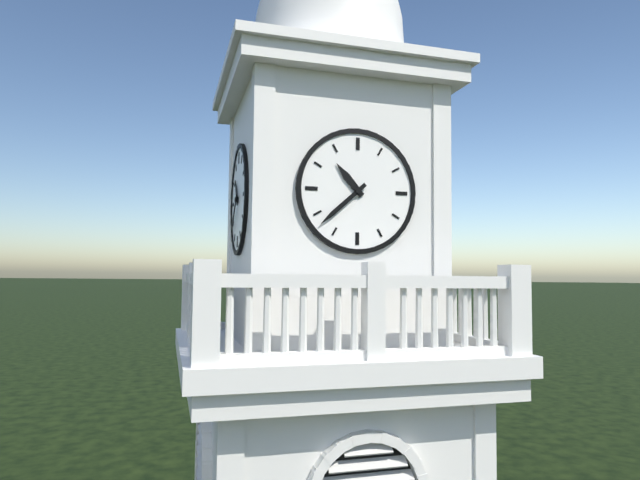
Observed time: **10:38**
